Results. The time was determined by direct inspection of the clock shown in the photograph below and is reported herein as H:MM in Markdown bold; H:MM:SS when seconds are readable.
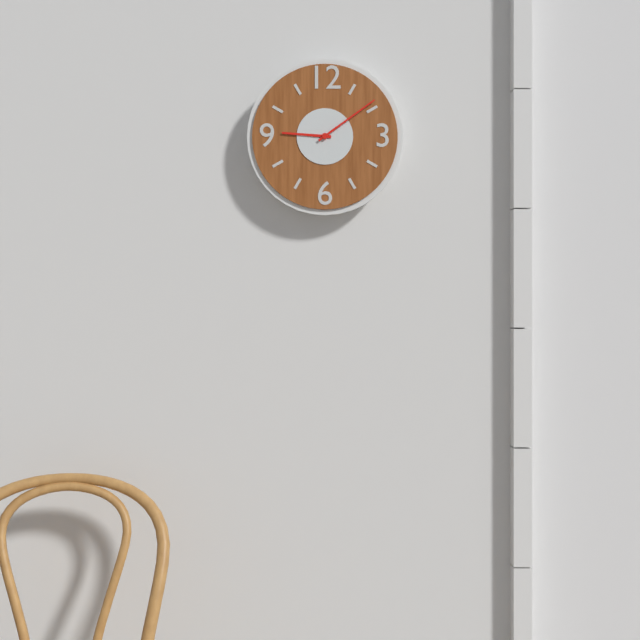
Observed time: **9:09**
